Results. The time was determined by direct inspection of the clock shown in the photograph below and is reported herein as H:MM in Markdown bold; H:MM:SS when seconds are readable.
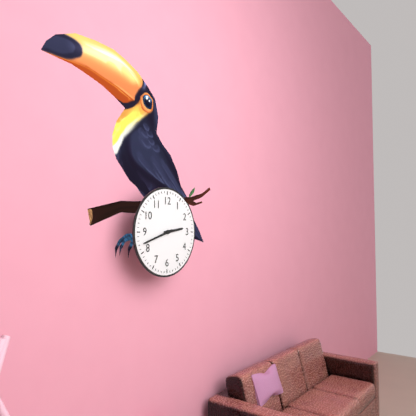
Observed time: **2:42**
